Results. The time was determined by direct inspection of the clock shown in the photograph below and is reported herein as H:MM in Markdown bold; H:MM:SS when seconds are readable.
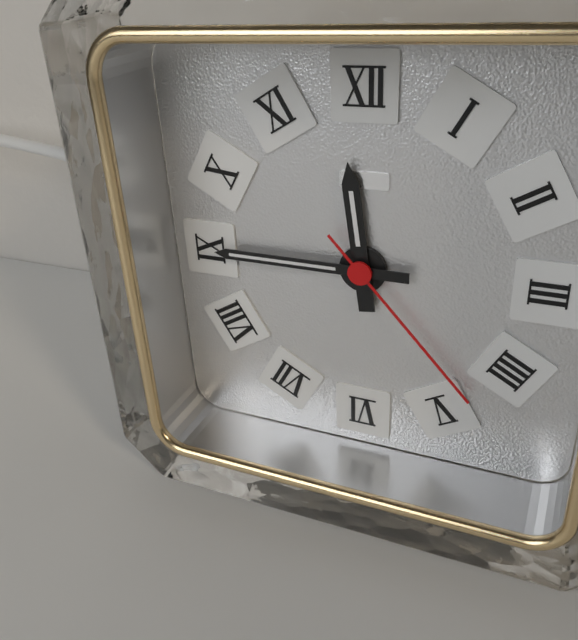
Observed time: **11:45:23**
